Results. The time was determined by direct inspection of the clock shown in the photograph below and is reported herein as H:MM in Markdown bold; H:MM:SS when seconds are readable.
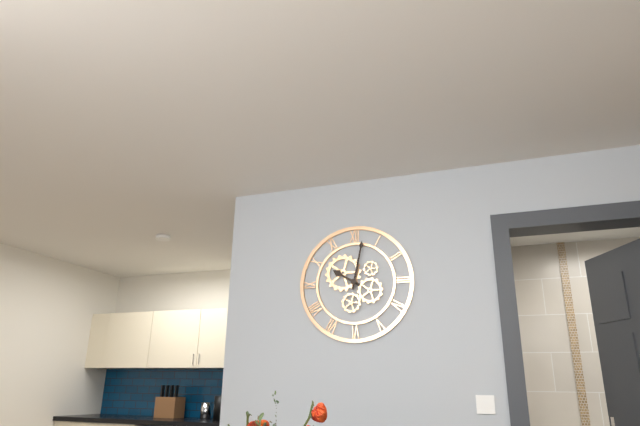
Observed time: **10:02**
